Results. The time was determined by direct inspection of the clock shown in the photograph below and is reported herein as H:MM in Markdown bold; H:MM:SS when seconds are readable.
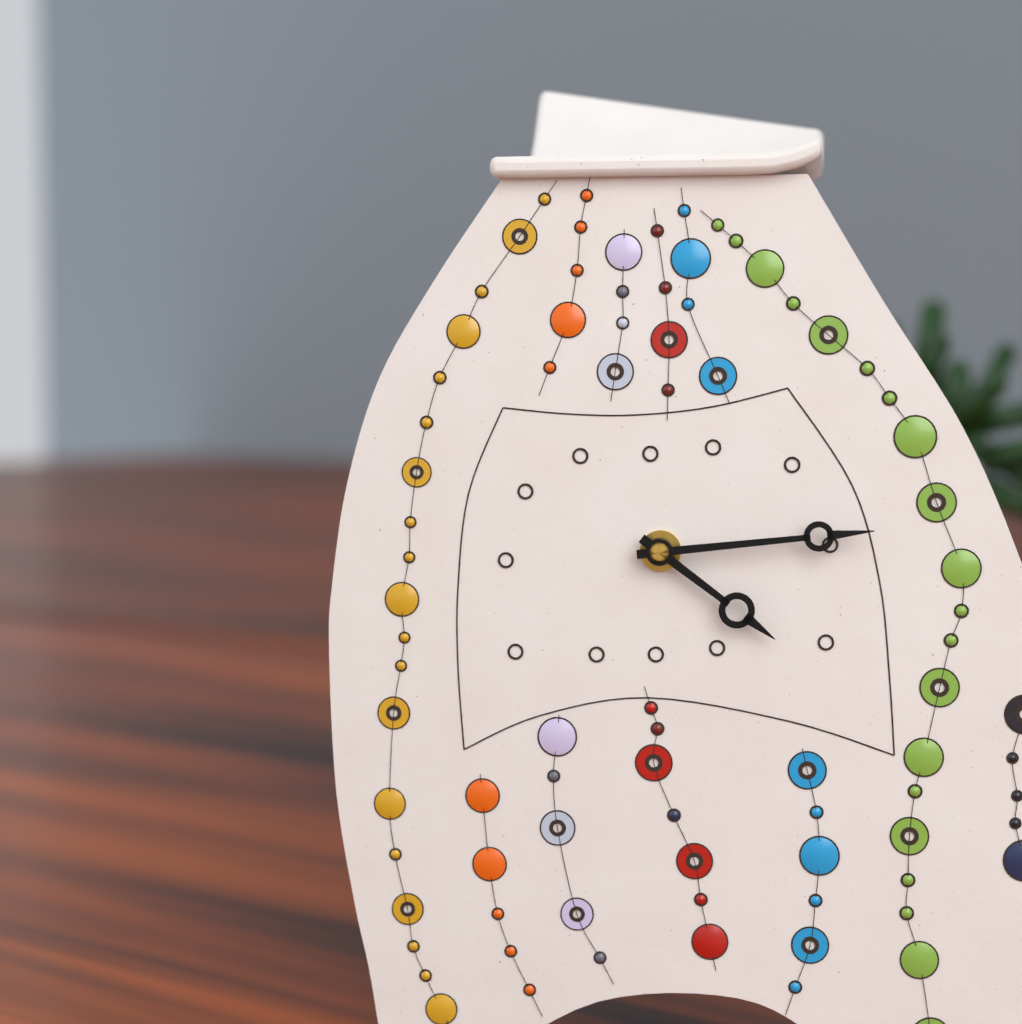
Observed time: **4:14**
